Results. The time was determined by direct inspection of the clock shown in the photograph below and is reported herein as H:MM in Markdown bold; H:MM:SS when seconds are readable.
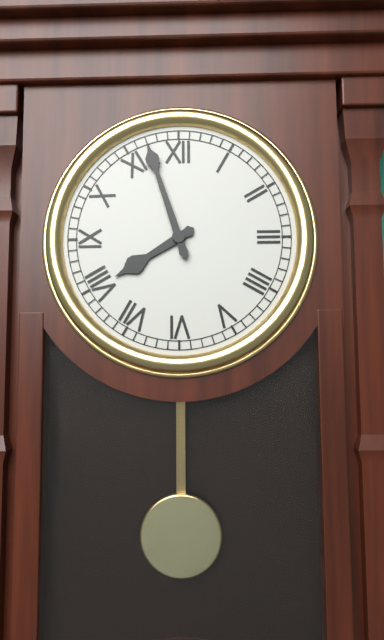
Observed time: **7:57**
